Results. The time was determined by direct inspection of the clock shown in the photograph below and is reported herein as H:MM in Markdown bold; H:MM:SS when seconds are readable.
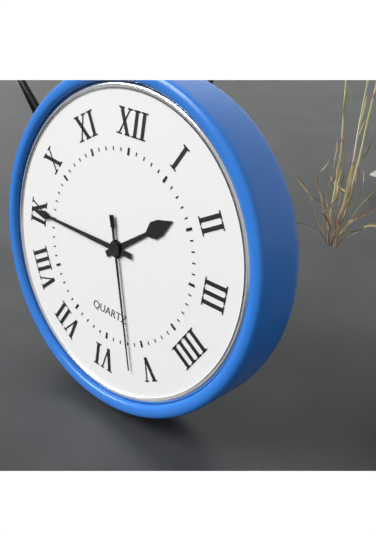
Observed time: **1:45:27**
